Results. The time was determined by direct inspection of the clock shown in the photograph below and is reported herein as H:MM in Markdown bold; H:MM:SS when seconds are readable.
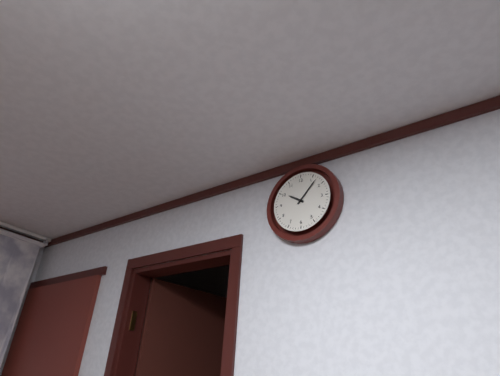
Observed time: **10:07**
